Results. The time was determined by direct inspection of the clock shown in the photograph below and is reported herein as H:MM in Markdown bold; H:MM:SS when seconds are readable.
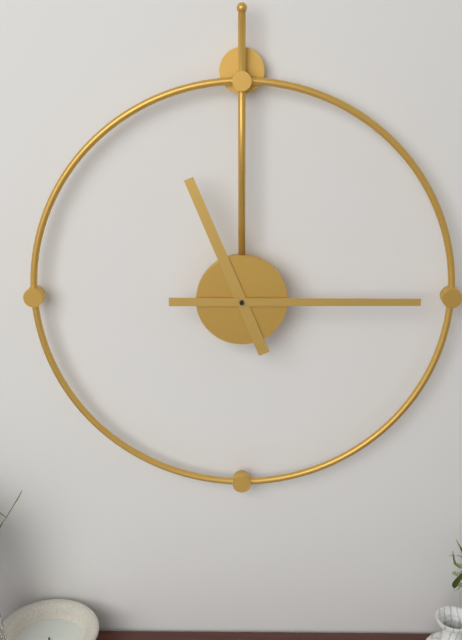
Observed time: **11:15**
